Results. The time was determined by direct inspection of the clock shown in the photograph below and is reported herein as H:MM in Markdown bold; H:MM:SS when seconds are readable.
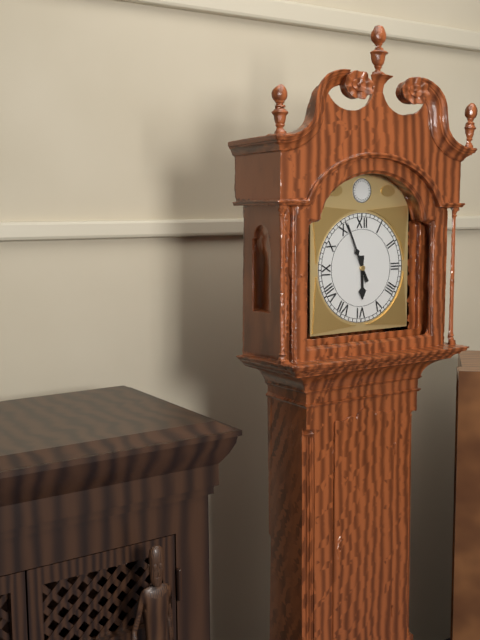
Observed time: **5:56**
